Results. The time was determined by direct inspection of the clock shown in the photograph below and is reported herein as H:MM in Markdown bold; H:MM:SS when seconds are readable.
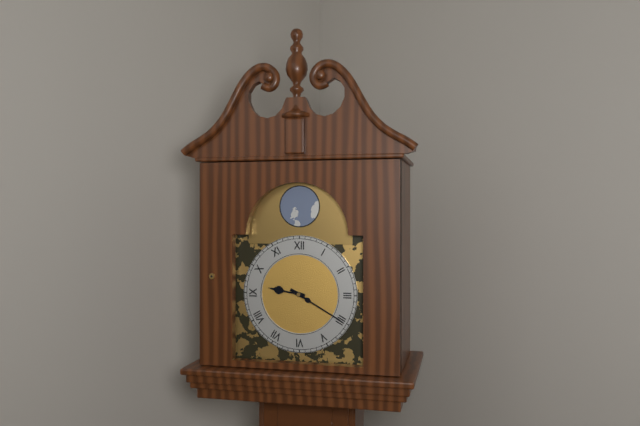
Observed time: **9:20**
